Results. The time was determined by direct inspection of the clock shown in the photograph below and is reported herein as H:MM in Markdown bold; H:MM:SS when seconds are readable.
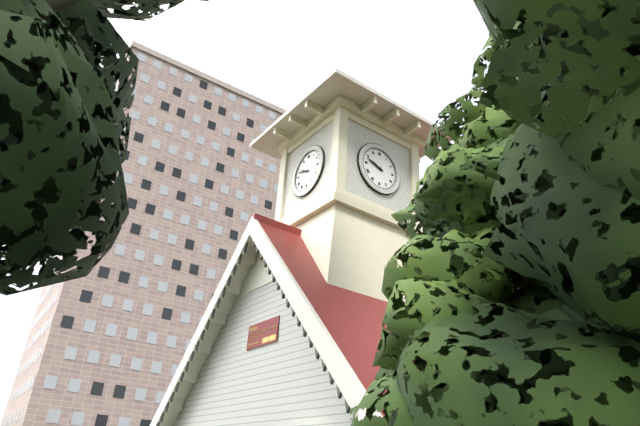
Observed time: **9:48**
